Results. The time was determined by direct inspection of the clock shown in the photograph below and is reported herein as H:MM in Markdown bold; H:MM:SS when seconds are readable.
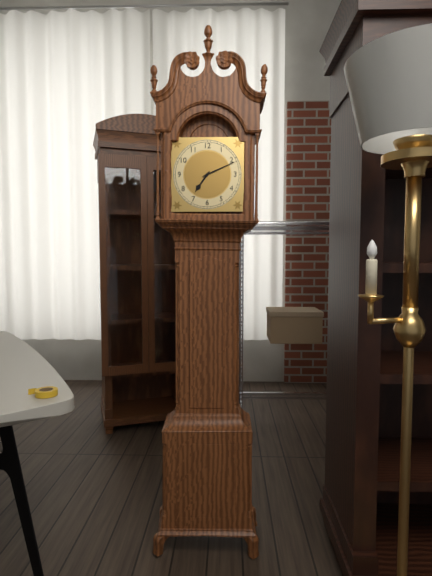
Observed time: **7:11**
